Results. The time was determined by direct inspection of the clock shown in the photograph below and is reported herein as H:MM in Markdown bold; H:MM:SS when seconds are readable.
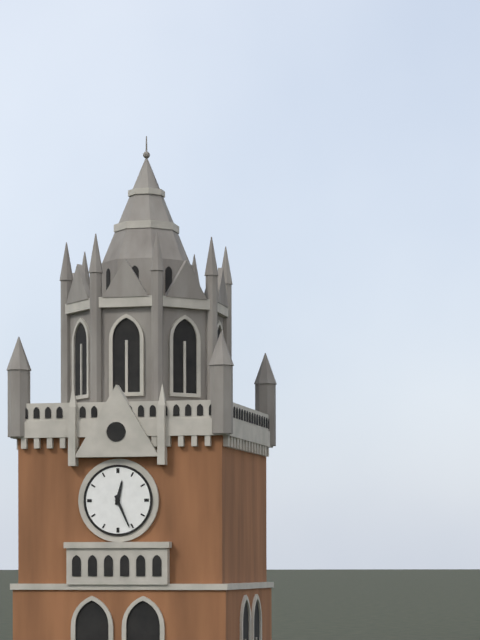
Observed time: **12:26**
